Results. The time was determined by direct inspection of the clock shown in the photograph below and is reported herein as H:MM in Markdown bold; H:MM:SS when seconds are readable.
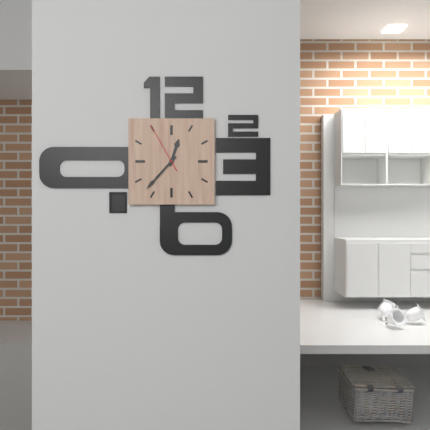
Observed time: **12:37:55**
